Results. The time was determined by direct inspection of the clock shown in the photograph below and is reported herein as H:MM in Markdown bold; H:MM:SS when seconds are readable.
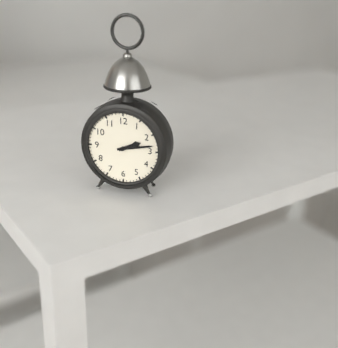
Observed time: **2:13**
